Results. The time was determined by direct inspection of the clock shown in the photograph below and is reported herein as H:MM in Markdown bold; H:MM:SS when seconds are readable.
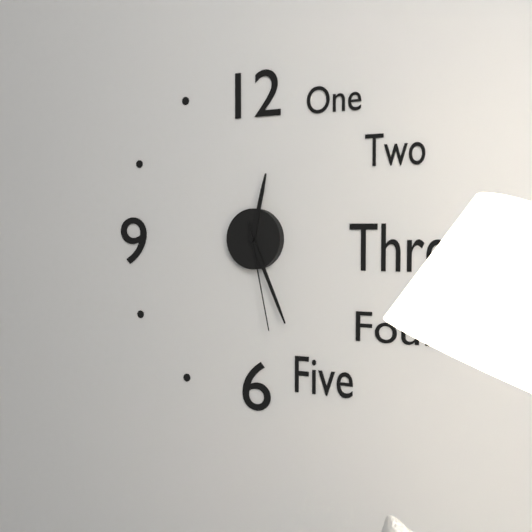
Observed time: **12:26:28**
